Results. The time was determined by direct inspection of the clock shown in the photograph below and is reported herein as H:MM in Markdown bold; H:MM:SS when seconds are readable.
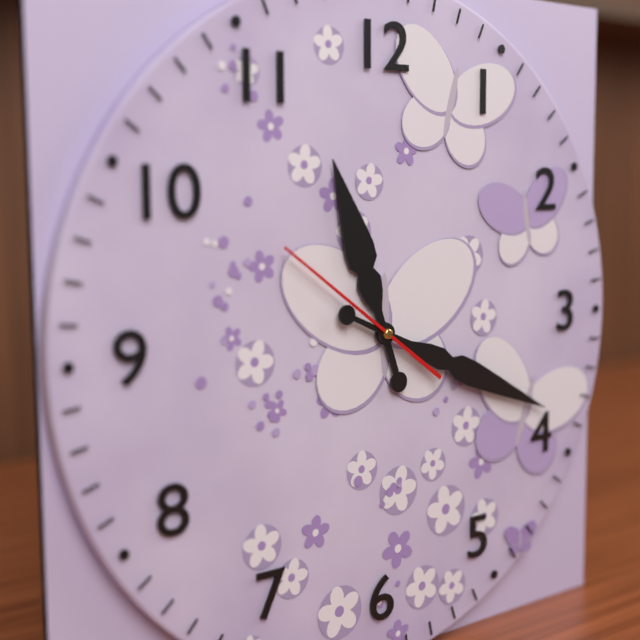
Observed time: **11:19:51**
